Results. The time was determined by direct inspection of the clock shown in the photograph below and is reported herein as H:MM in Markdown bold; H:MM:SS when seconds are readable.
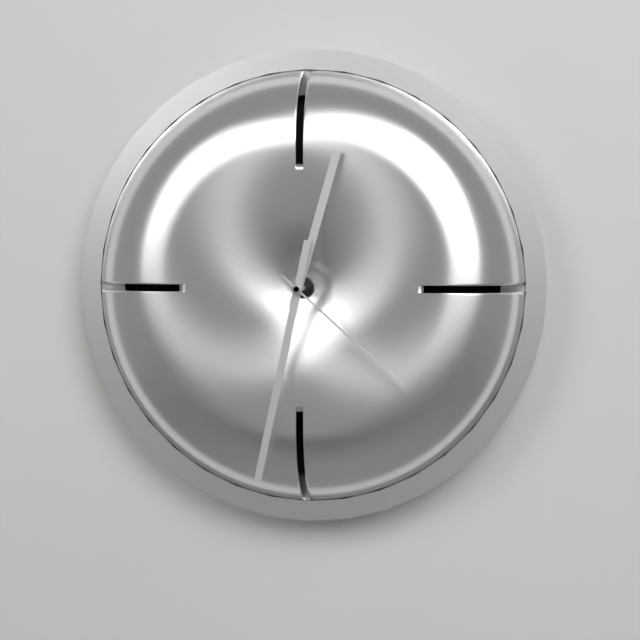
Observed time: **12:32:22**
